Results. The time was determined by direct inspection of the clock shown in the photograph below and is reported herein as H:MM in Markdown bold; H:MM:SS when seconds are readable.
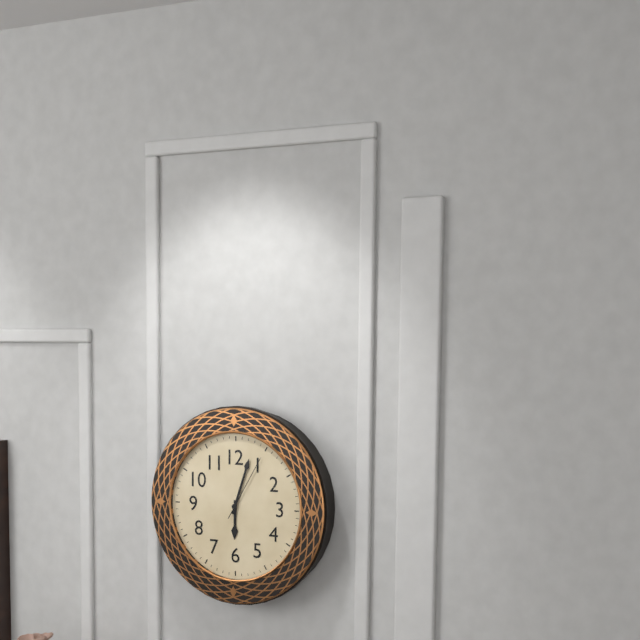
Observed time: **6:03:05**
